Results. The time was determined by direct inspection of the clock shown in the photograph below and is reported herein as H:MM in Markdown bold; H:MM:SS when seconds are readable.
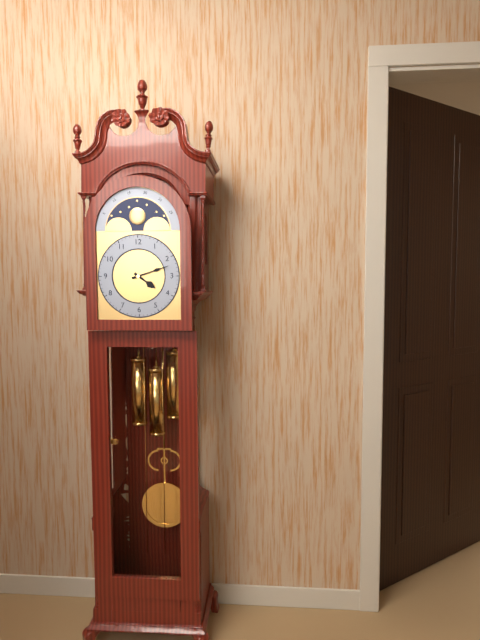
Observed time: **4:12**
